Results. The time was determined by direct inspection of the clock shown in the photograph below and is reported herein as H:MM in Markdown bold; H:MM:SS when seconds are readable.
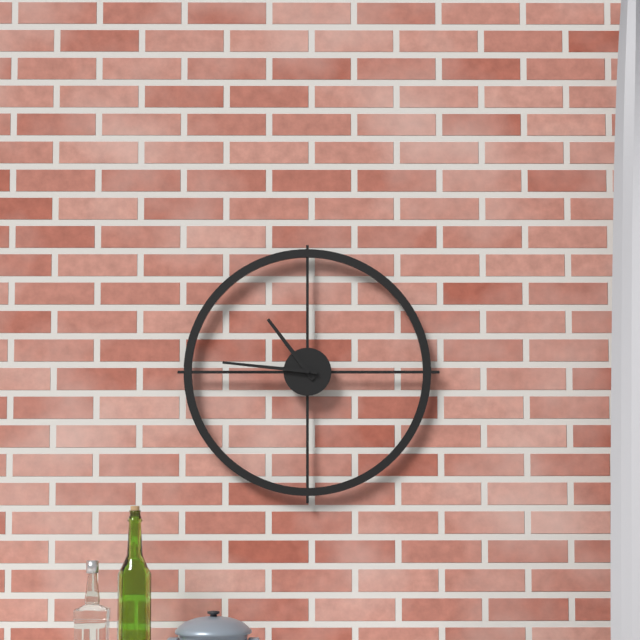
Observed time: **10:46**
